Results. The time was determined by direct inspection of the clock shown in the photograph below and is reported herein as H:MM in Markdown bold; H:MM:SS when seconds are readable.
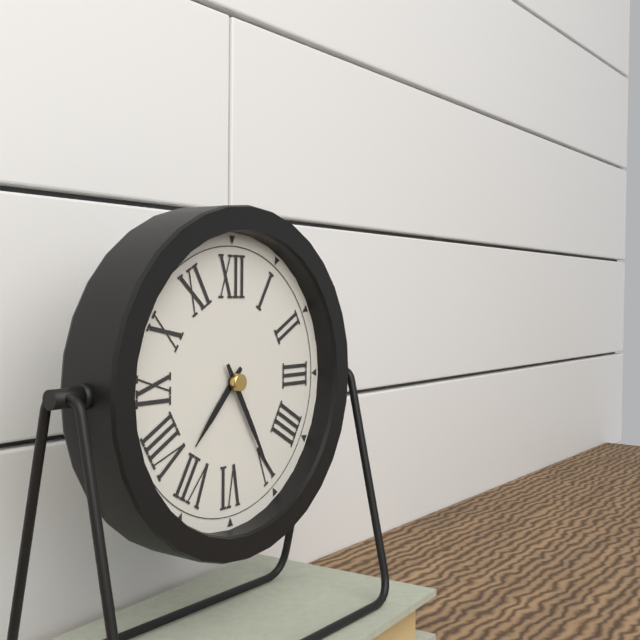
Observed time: **7:25**
